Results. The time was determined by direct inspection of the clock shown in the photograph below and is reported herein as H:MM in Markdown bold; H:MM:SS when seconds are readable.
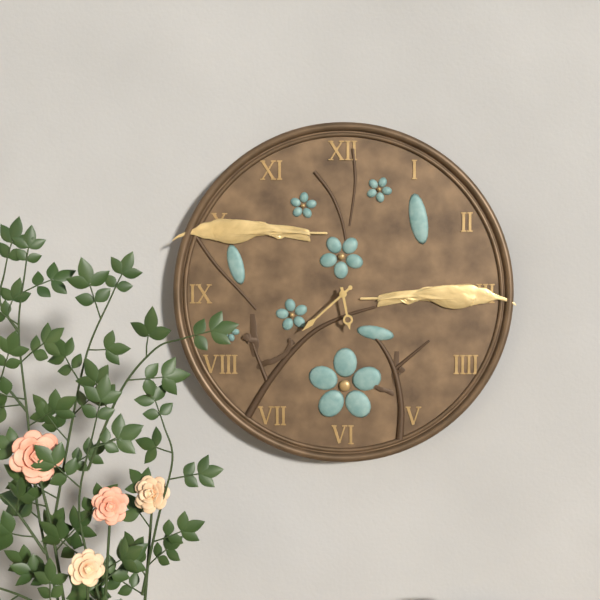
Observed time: **5:38**
